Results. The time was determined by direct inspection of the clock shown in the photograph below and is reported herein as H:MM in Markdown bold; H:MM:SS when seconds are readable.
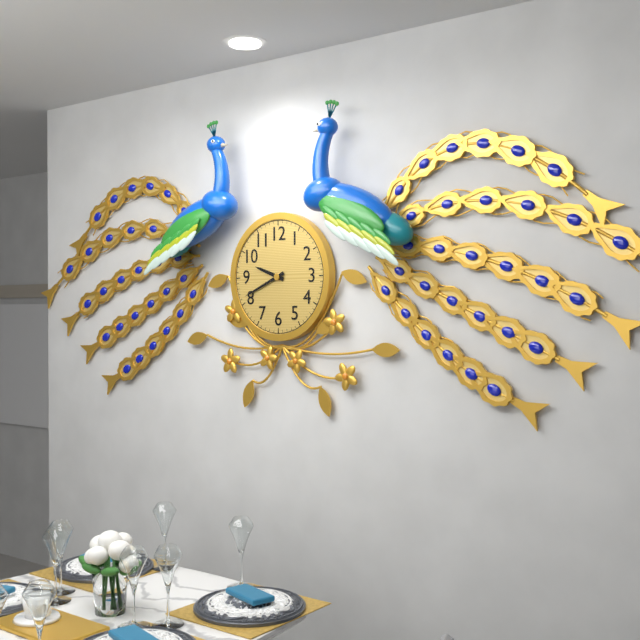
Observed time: **9:41**
